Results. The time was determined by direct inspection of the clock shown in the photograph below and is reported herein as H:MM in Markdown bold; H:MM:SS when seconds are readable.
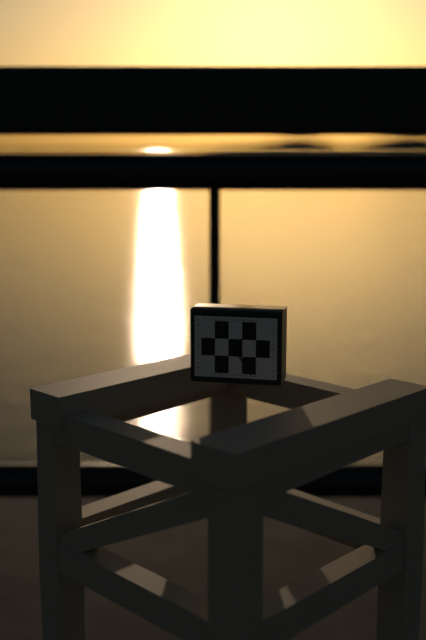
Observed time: **5:06**
